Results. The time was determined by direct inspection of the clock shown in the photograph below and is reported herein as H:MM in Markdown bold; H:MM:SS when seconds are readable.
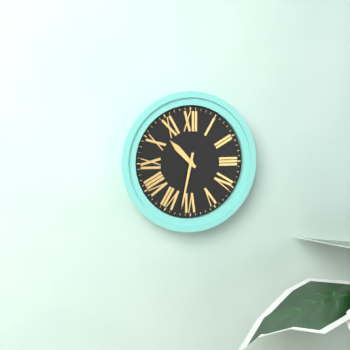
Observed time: **10:32**
